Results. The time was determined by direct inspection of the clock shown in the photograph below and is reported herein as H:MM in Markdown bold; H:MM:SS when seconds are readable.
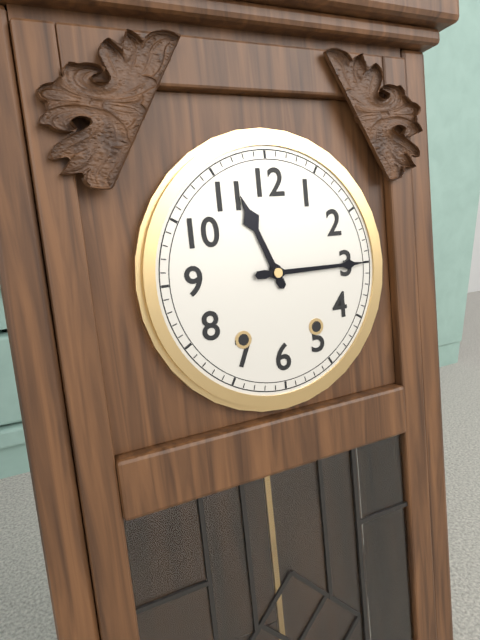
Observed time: **11:15**
